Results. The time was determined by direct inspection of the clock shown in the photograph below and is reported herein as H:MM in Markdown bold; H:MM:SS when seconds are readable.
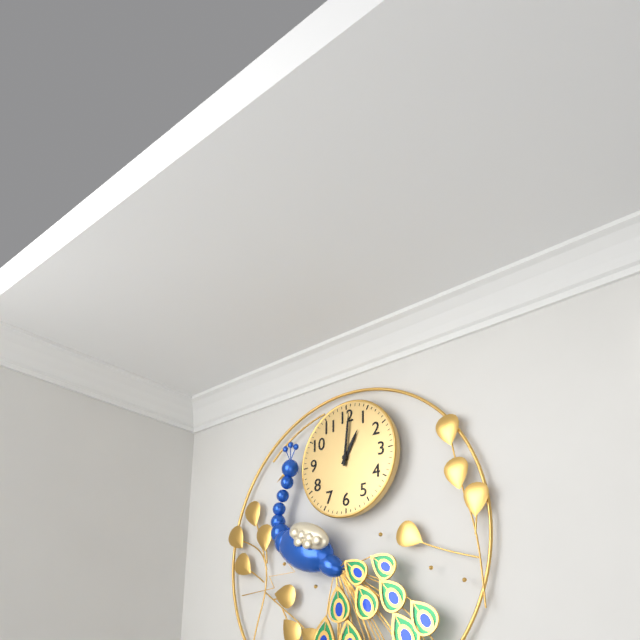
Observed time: **1:01**
